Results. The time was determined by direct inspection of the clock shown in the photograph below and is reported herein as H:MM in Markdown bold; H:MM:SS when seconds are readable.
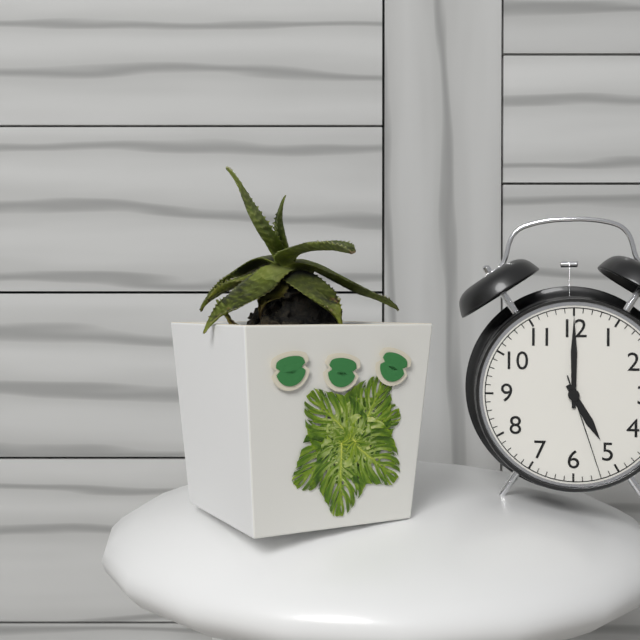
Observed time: **5:00:27**
